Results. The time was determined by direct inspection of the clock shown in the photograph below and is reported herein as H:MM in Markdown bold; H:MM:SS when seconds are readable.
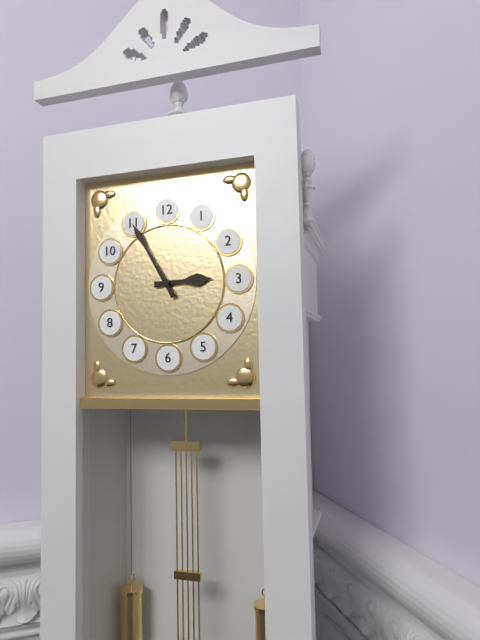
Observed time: **2:55**
